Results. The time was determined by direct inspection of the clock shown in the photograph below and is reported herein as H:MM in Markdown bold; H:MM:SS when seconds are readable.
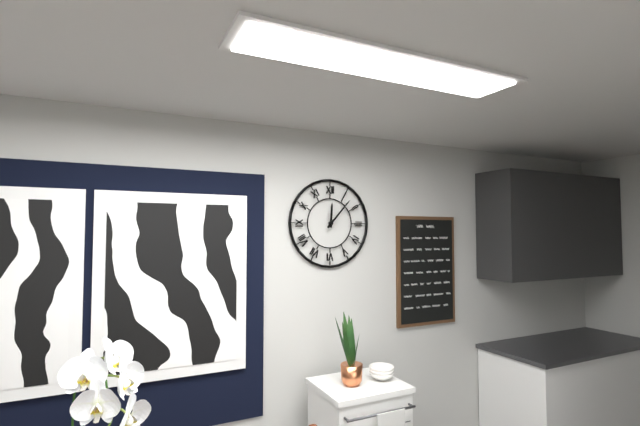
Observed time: **12:07**
